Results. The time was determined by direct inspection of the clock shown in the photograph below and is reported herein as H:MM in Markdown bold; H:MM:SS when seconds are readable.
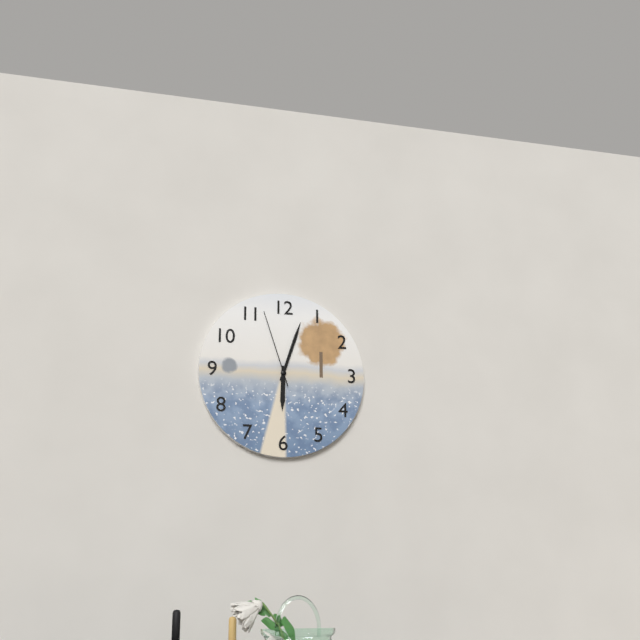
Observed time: **6:03:57**
